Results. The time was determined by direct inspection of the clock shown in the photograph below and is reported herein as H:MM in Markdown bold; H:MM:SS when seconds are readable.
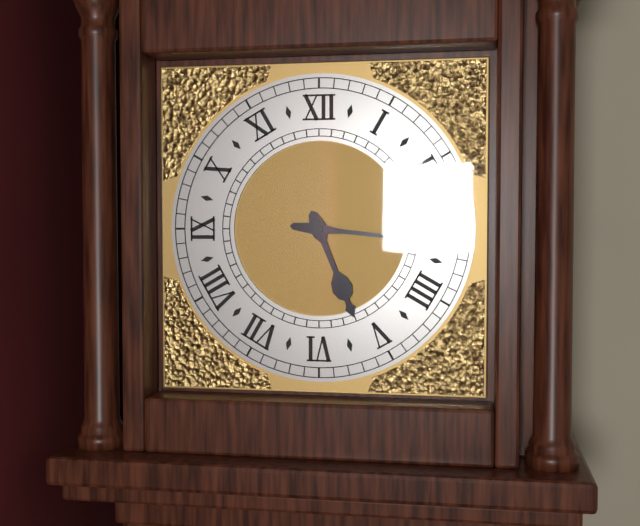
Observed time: **5:16**
